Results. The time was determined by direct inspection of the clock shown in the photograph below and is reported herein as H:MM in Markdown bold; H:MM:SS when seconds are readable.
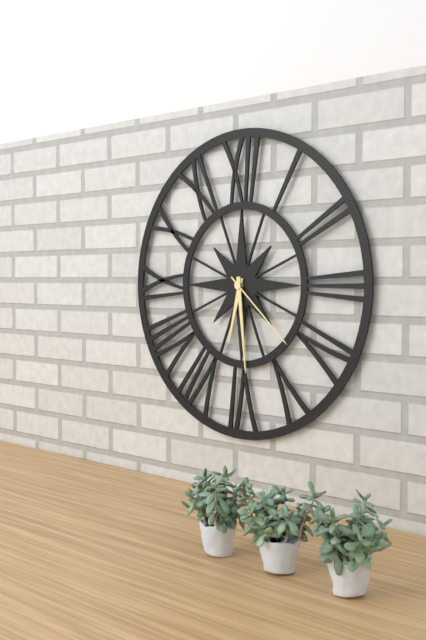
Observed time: **6:29:22**
